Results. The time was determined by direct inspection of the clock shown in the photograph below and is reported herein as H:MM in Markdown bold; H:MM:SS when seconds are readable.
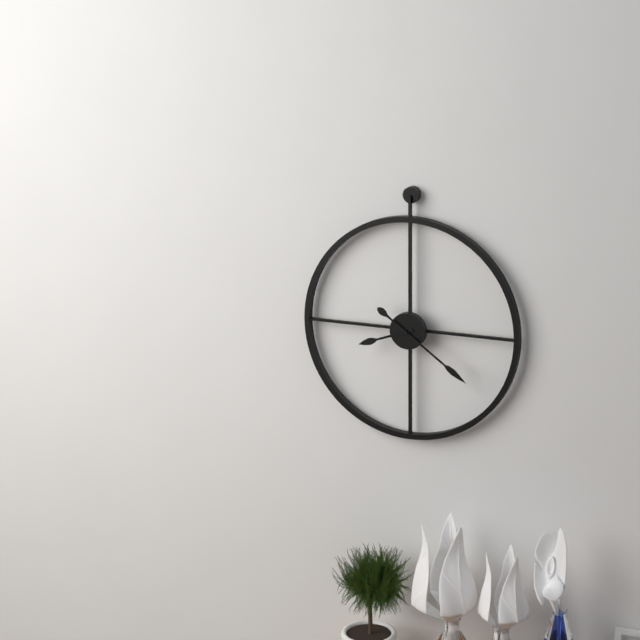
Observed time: **8:21**
